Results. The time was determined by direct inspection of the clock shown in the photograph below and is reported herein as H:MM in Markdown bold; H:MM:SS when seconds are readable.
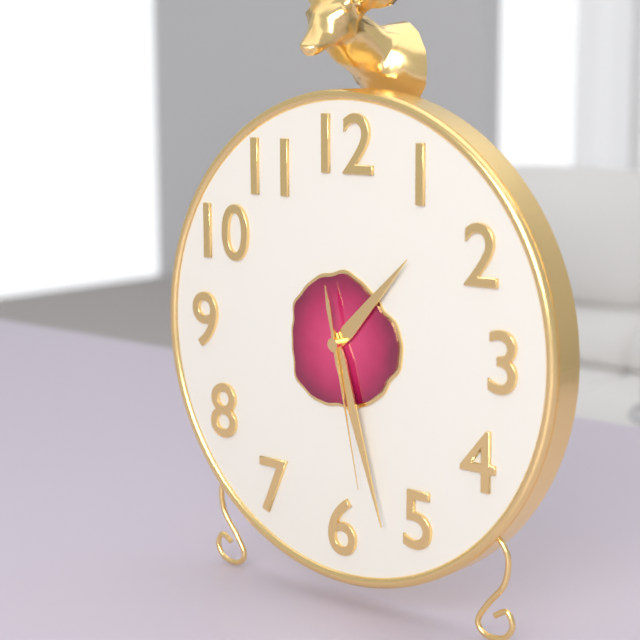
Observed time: **1:27:28**
